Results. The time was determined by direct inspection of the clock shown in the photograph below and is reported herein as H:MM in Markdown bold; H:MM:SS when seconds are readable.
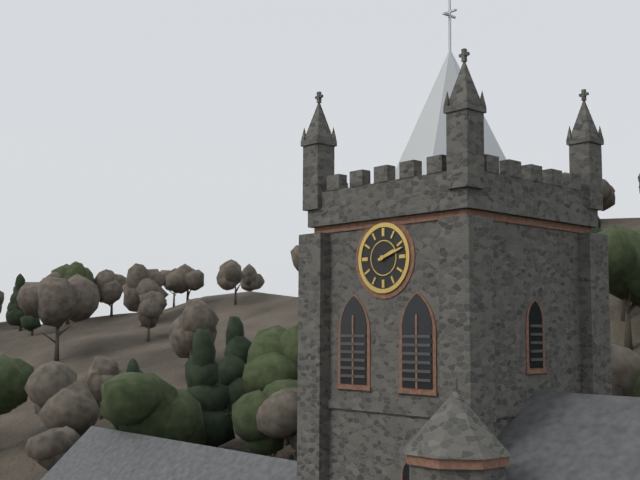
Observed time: **2:12**
